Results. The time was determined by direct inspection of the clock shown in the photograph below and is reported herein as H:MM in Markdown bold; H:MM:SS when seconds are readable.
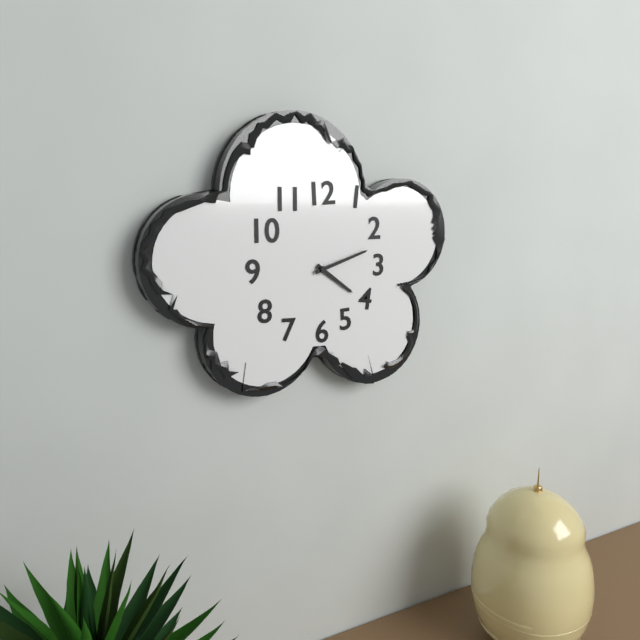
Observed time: **4:12**
